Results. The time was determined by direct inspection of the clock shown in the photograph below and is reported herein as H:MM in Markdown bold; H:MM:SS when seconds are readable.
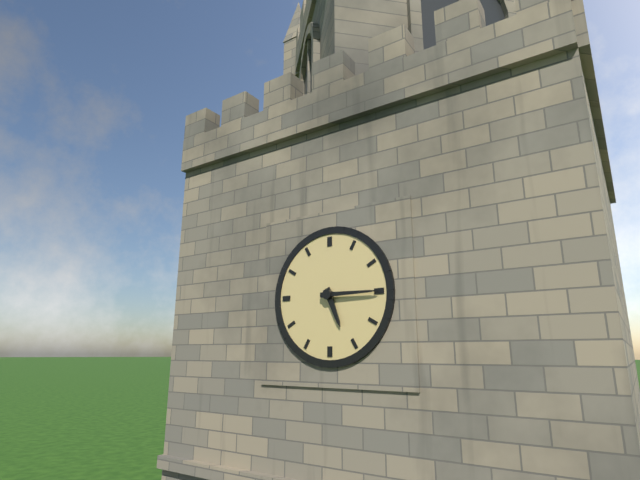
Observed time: **5:15**
